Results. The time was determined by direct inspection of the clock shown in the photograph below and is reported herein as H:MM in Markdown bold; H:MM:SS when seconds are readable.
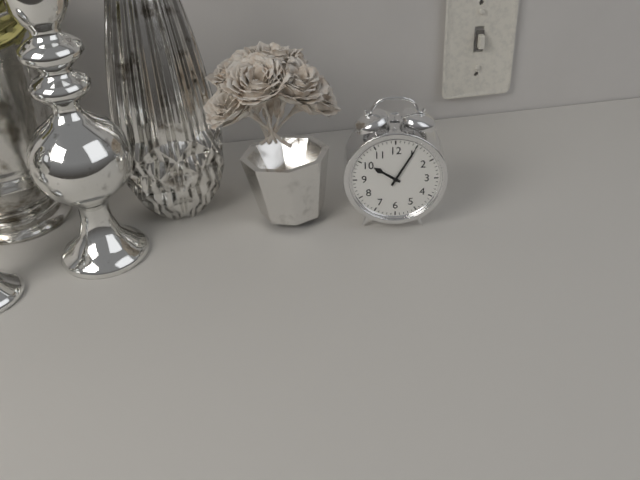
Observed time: **10:05**
